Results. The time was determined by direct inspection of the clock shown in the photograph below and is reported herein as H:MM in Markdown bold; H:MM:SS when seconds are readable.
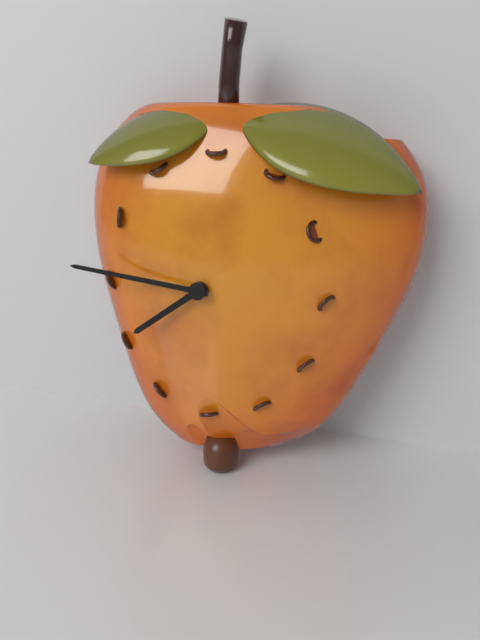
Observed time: **7:46**
